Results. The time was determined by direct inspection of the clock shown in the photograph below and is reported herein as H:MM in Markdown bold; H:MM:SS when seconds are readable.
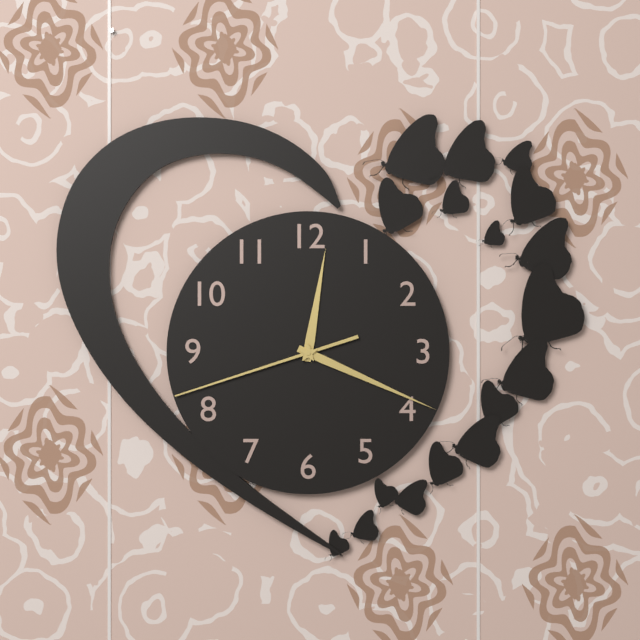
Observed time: **12:19:42**
